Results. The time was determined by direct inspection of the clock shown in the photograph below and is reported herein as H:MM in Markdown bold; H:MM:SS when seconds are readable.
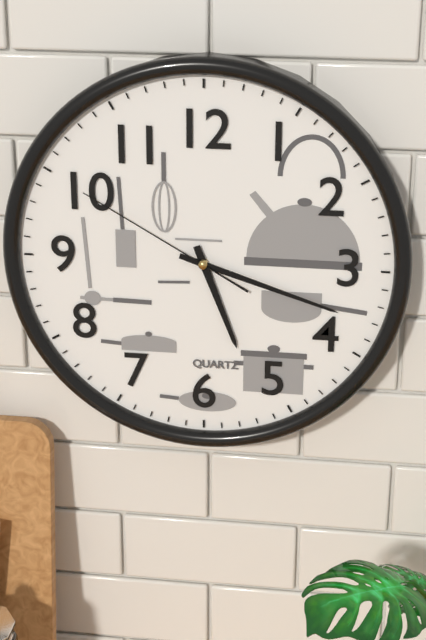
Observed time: **5:18:50**
